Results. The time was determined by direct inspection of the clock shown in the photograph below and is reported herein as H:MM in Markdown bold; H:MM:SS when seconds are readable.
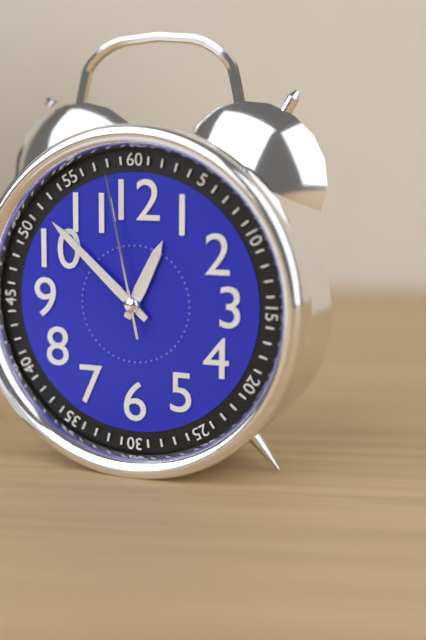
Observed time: **12:52:58**
